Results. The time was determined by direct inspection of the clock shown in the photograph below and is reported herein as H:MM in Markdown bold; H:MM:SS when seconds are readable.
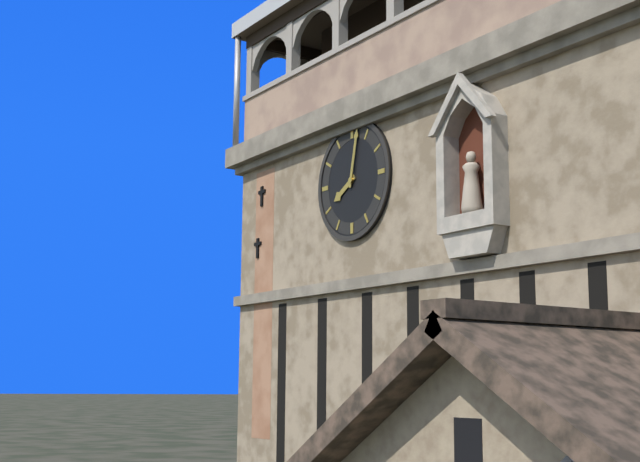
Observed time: **8:02**
